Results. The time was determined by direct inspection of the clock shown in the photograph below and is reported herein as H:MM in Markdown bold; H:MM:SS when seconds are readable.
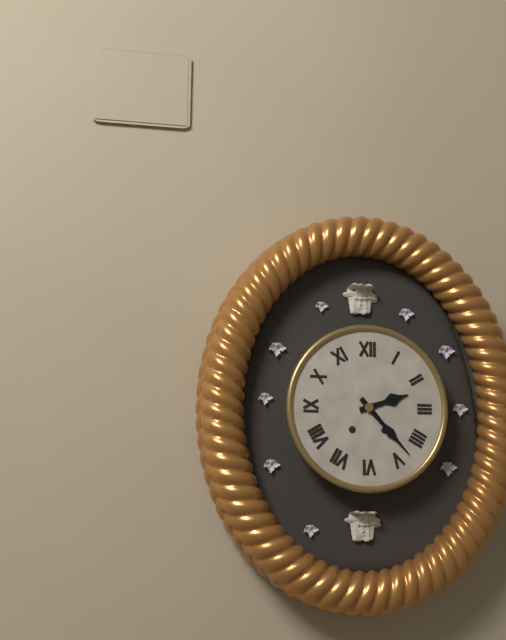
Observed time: **2:23**
